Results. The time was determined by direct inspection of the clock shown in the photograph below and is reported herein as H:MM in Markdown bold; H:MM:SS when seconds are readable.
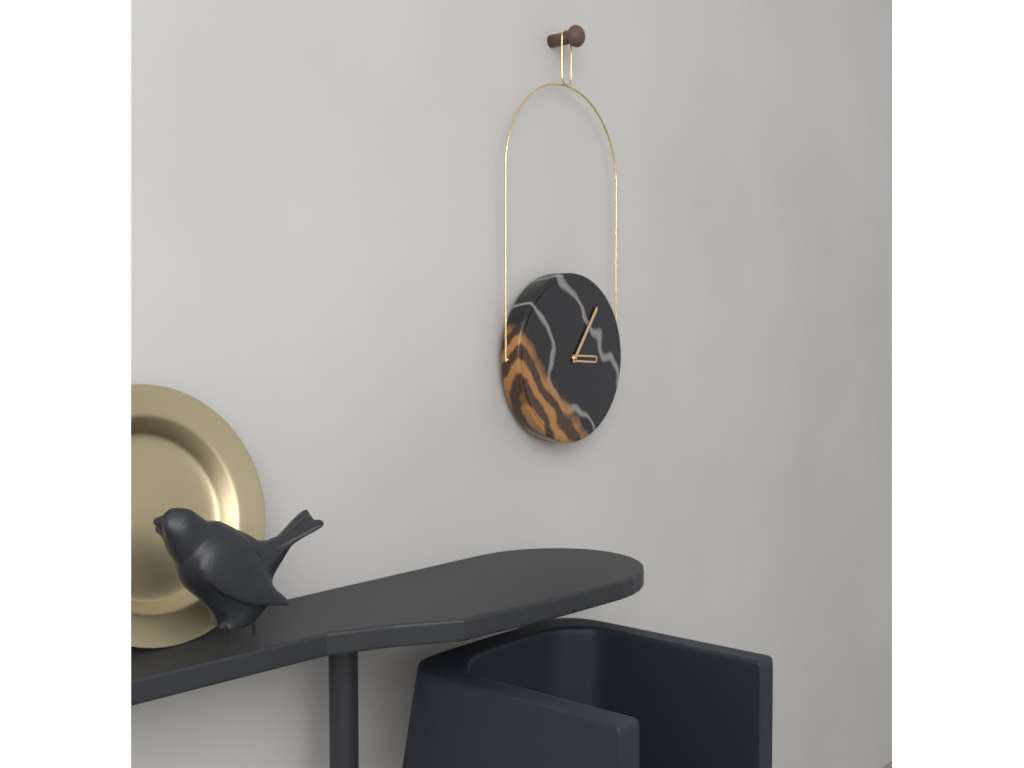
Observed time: **3:06**
